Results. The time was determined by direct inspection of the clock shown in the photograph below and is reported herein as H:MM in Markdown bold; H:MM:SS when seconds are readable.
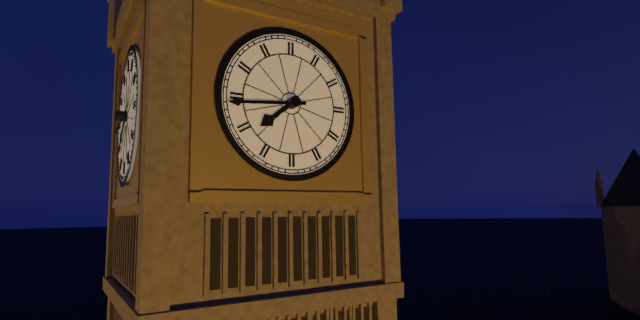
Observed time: **7:44**
